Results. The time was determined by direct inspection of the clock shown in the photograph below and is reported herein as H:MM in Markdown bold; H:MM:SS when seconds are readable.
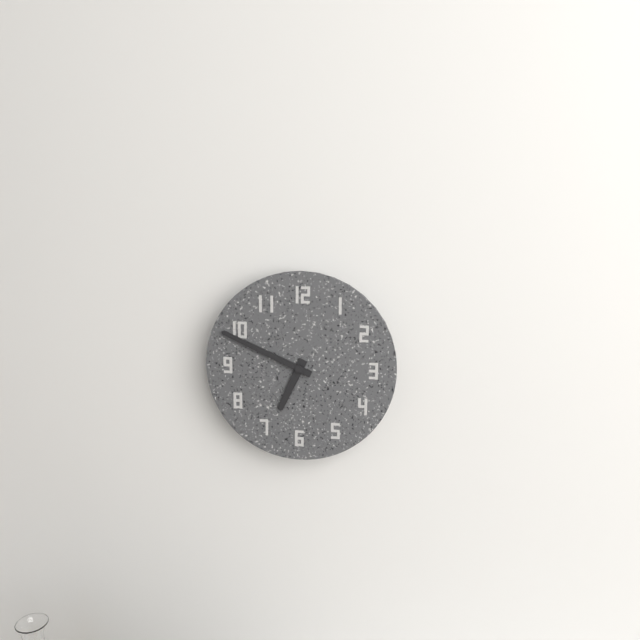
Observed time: **6:49**
